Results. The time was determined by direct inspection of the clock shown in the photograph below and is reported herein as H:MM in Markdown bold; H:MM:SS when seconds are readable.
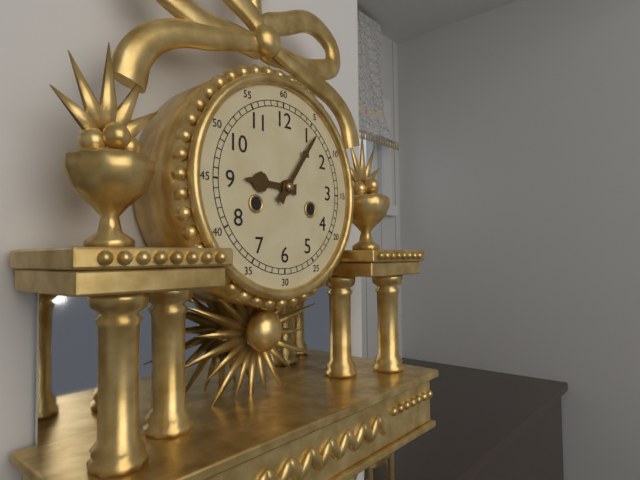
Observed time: **9:06**
